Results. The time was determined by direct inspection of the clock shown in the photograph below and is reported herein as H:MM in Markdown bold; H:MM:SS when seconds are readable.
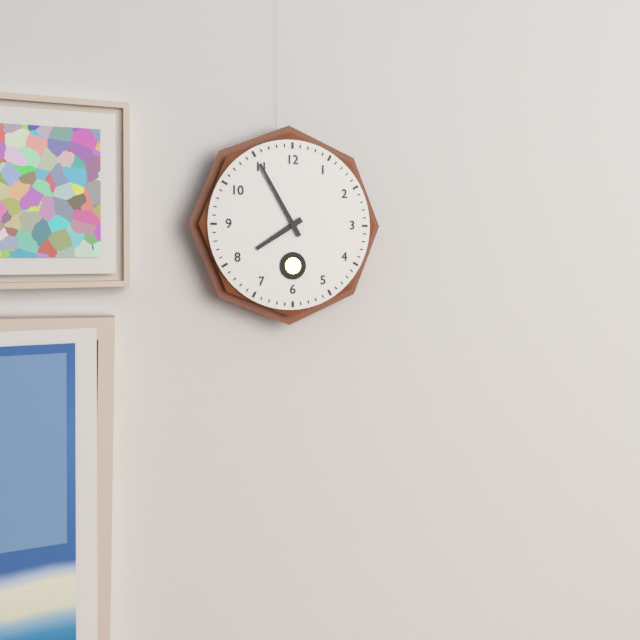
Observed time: **7:55**
